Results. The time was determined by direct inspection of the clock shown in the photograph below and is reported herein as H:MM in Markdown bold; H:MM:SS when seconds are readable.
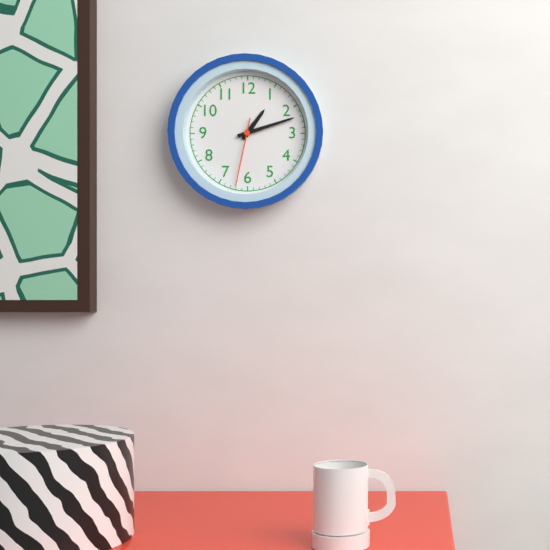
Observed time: **1:12:32**
